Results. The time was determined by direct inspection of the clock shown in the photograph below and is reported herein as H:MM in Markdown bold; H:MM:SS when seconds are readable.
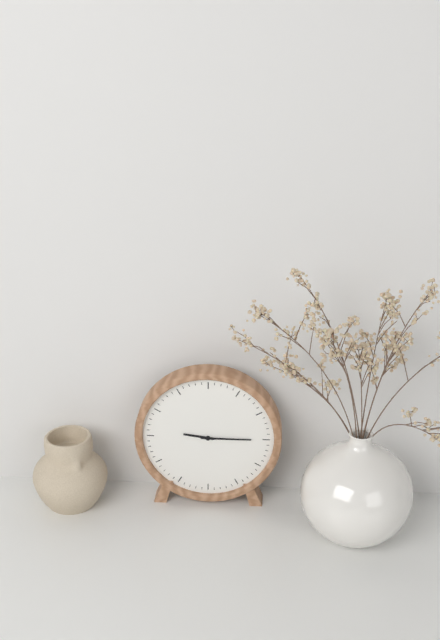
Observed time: **9:15**
